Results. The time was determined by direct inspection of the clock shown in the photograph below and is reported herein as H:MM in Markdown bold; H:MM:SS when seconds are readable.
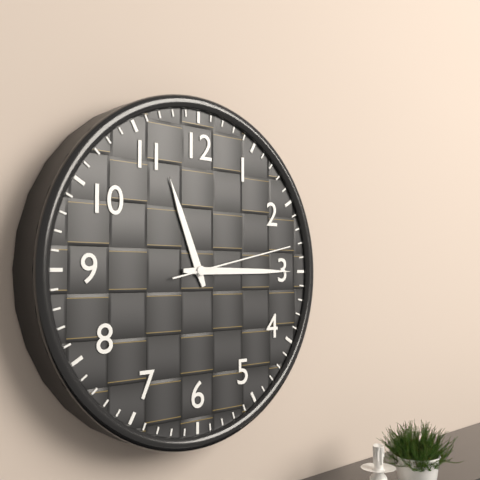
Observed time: **11:15:13**
